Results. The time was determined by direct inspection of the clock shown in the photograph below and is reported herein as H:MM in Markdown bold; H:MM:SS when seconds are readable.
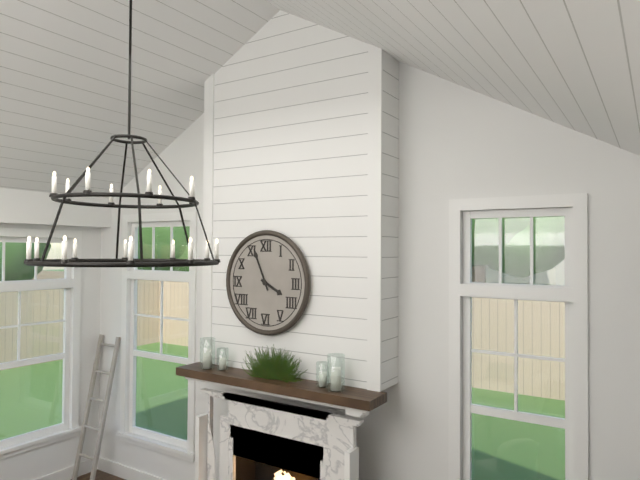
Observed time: **3:56**
